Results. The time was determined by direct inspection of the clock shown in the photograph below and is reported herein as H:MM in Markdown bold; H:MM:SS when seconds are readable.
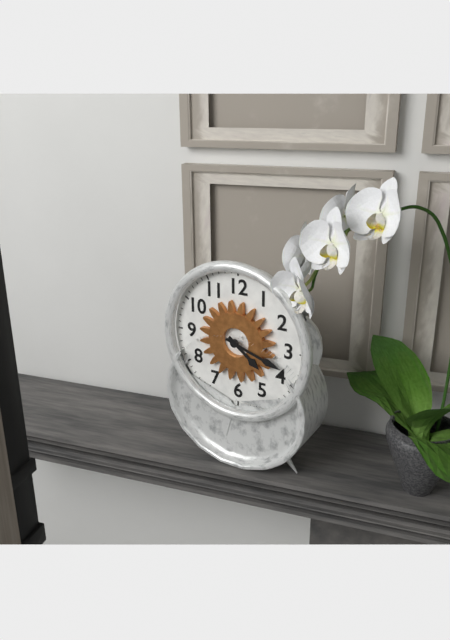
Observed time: **4:18**
